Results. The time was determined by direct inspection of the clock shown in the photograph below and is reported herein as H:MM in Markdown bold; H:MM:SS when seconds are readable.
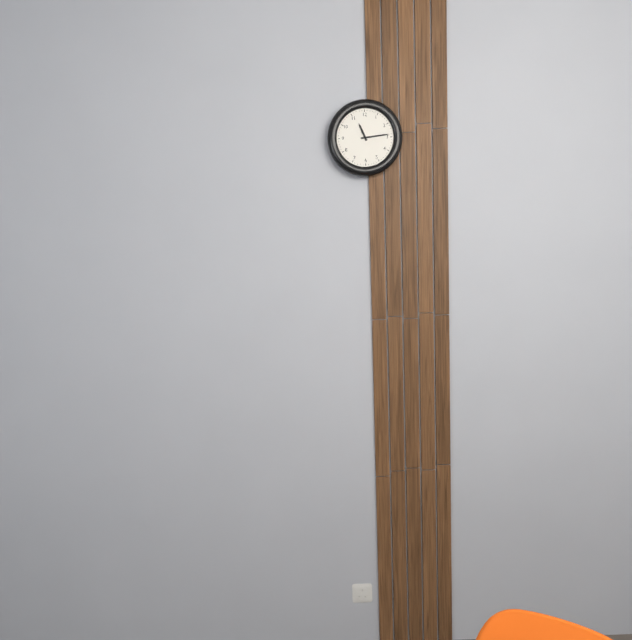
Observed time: **11:14**
